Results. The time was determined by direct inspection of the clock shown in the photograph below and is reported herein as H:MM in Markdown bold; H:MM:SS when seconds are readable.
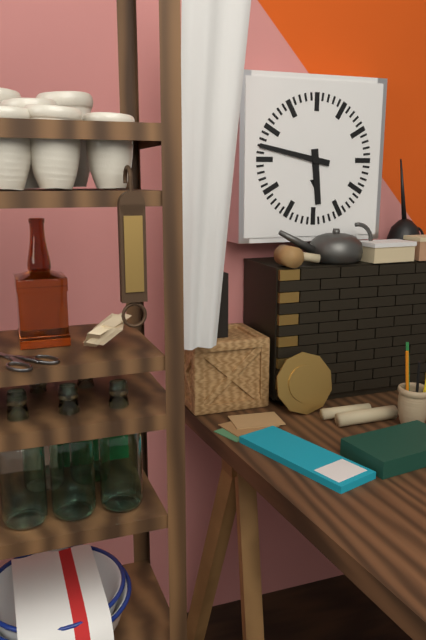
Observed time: **5:47**
